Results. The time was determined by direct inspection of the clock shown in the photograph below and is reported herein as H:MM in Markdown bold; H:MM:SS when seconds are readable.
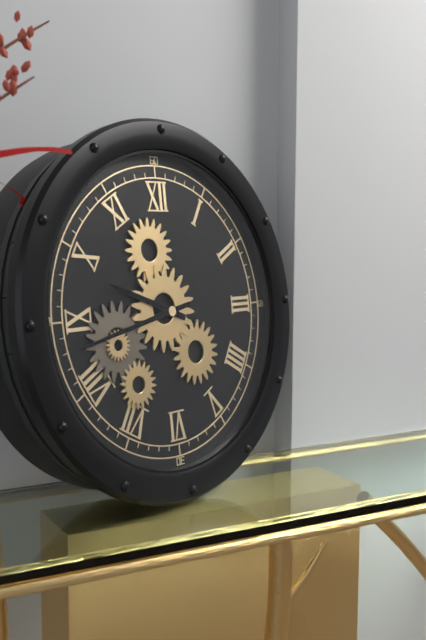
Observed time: **9:43**
